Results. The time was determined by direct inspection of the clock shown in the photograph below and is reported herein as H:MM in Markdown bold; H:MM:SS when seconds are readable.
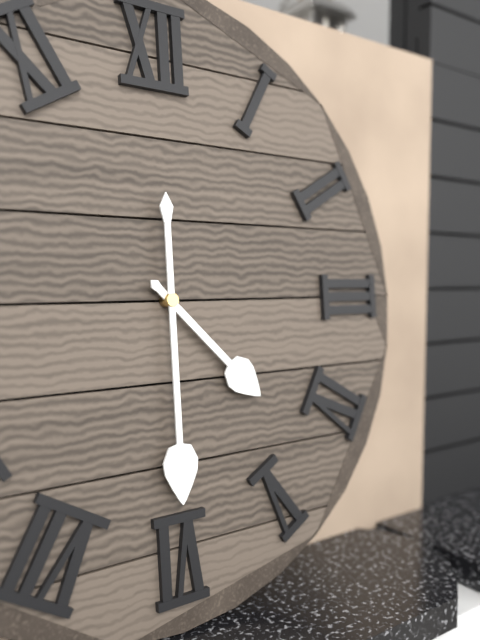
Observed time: **4:30**
